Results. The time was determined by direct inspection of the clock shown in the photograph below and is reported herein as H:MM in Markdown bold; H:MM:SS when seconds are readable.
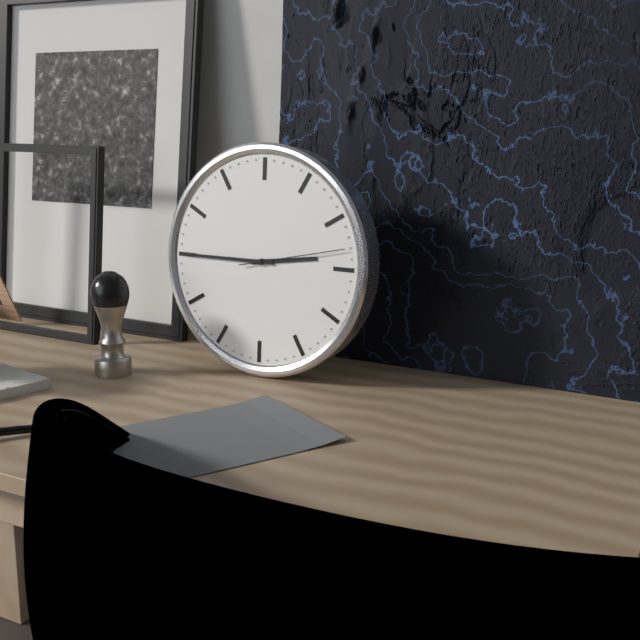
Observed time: **2:45:13**
